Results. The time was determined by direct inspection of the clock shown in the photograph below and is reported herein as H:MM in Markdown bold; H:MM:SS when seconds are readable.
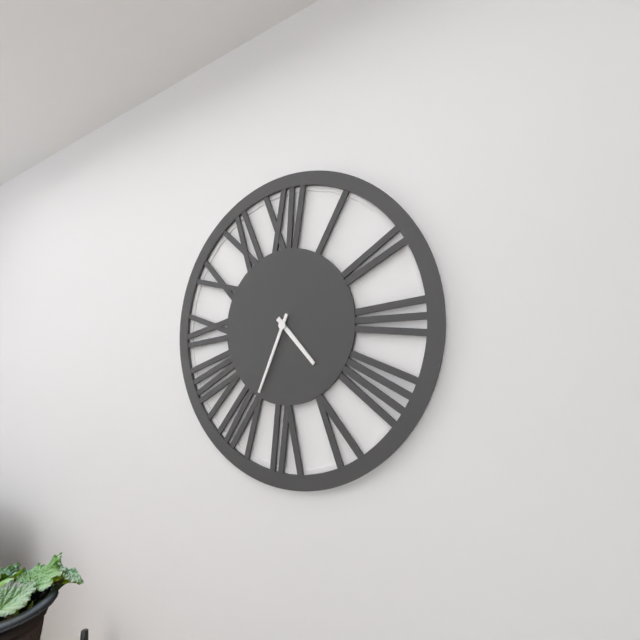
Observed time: **4:34**
